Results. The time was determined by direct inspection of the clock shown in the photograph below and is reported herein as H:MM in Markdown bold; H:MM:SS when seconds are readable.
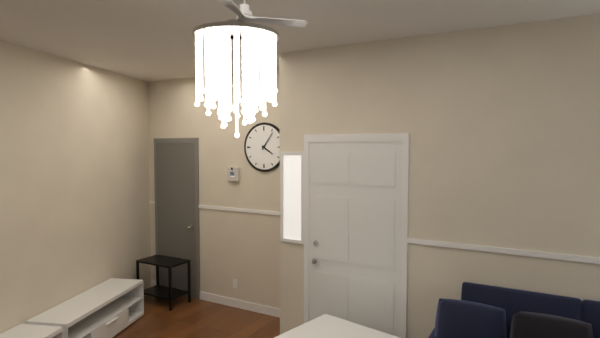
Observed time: **4:06**
